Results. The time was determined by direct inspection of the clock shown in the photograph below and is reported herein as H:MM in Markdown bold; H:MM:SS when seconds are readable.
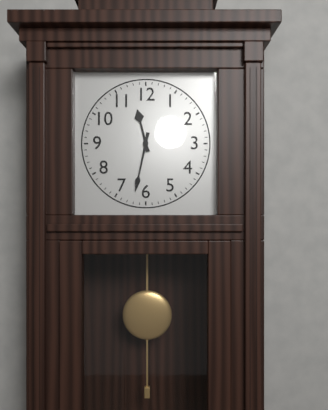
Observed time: **11:32**
